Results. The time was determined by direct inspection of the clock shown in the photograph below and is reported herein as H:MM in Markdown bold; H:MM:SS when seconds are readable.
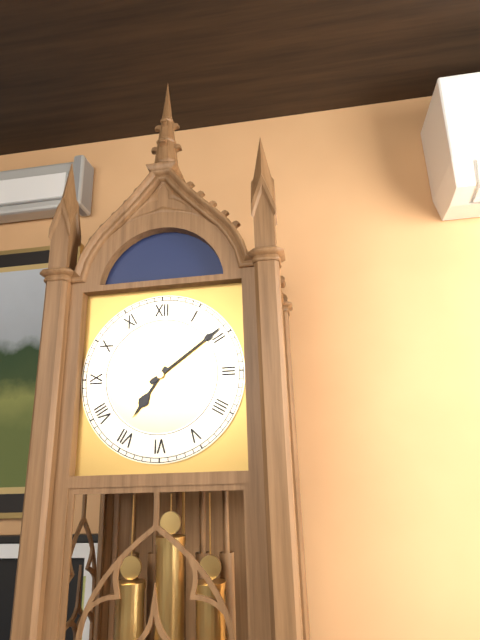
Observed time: **7:09**
